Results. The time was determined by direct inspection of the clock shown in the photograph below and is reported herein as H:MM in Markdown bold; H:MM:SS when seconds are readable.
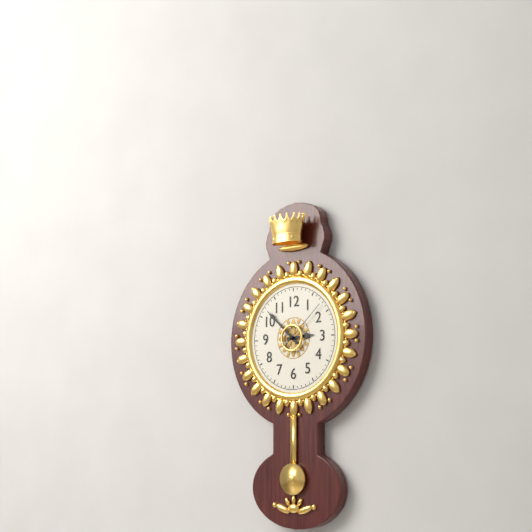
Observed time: **2:52:08**
